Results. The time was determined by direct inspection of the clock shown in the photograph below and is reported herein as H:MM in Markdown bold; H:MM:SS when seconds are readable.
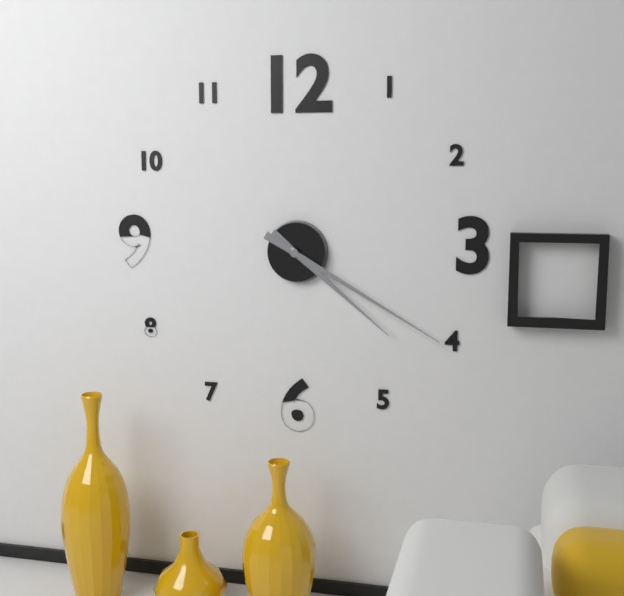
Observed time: **4:20**
